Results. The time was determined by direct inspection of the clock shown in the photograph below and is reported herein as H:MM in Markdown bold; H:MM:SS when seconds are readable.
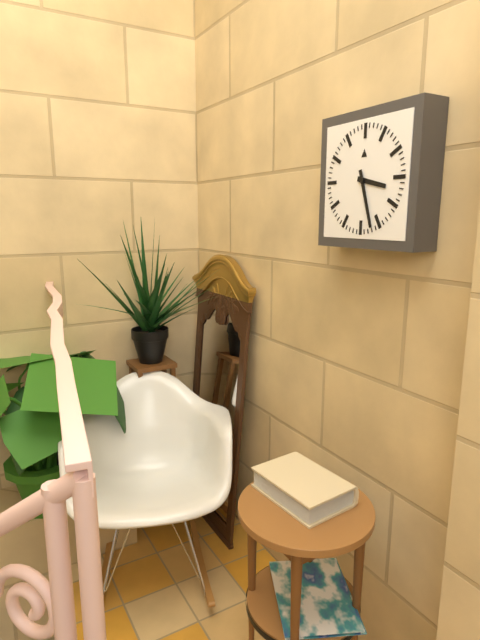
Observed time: **3:27**
